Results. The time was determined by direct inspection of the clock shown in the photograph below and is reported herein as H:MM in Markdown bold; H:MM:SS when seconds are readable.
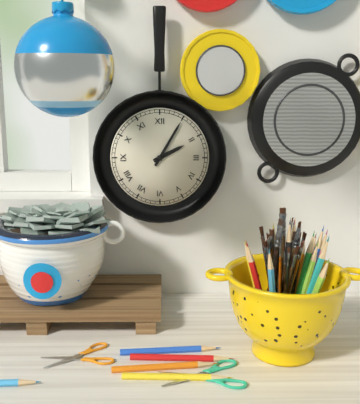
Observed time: **2:05**
